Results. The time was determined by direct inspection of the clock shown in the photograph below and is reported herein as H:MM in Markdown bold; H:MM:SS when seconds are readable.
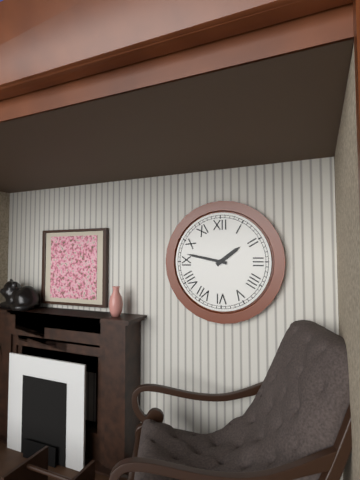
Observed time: **1:47**
